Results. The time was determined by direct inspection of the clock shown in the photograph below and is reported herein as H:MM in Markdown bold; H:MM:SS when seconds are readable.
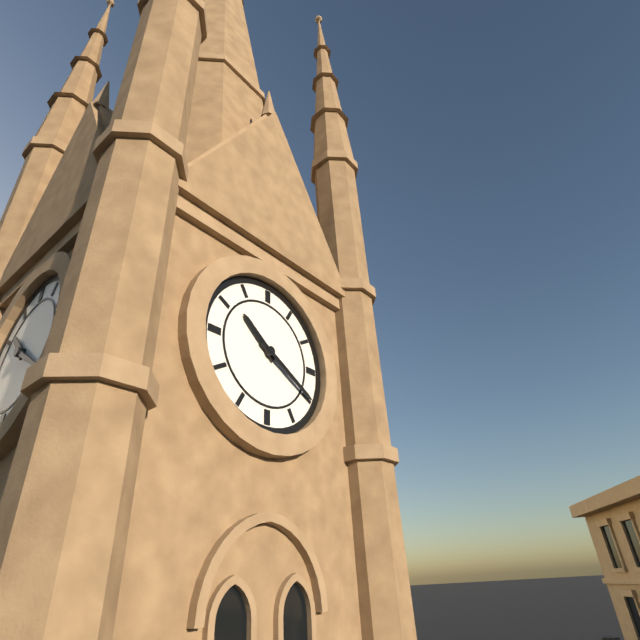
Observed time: **10:20**
